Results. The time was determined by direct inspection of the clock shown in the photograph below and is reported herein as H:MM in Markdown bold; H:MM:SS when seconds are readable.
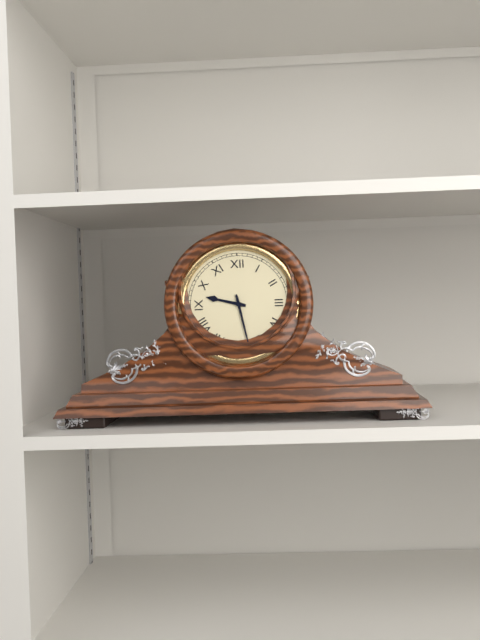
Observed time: **9:28**
